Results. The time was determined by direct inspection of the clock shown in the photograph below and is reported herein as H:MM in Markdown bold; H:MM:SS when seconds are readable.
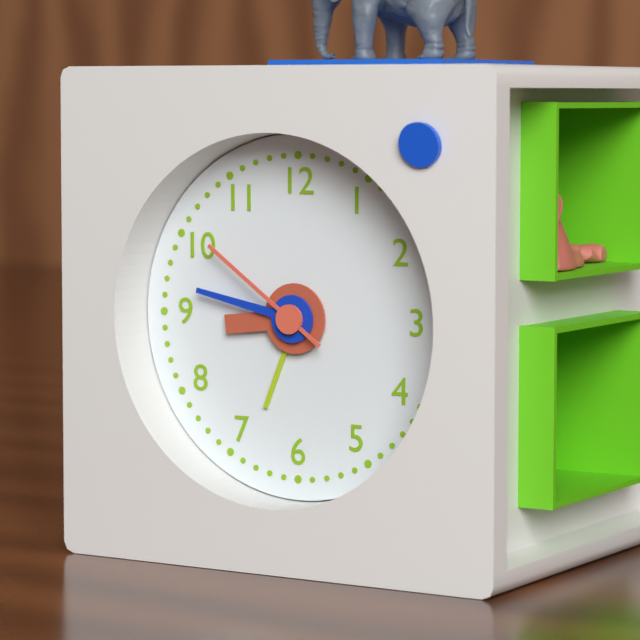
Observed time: **8:47:51**
